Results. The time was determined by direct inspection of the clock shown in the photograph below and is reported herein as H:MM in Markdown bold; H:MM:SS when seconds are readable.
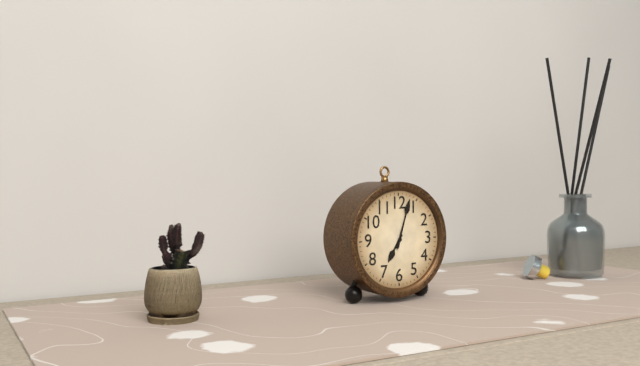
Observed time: **7:03**
